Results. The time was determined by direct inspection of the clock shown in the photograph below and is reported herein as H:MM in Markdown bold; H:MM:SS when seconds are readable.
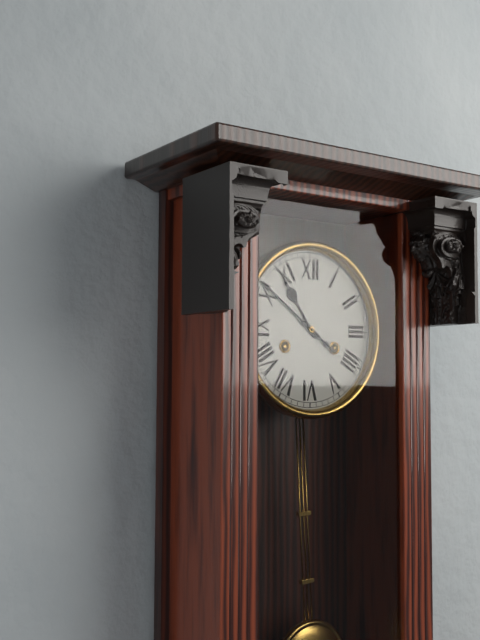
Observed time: **10:51**
